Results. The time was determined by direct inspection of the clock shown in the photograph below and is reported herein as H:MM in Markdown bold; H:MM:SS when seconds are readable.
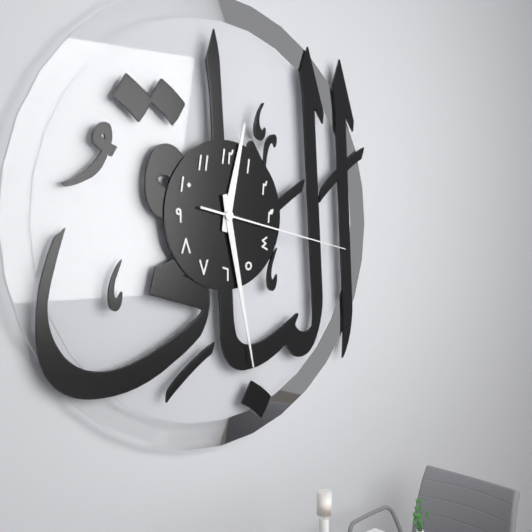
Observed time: **12:28:17**
